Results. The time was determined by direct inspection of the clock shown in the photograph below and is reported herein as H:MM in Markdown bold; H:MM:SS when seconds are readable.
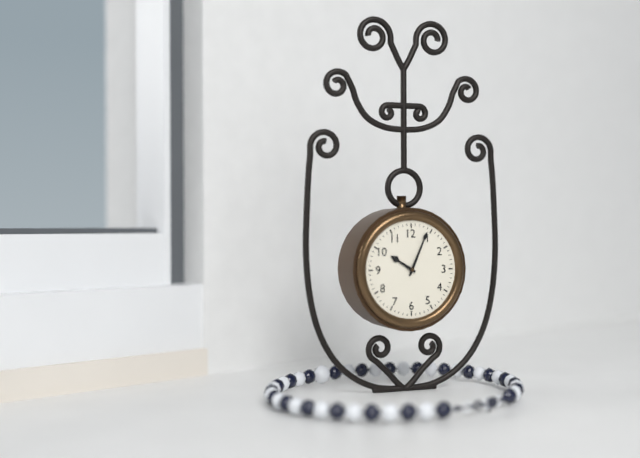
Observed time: **10:04**
